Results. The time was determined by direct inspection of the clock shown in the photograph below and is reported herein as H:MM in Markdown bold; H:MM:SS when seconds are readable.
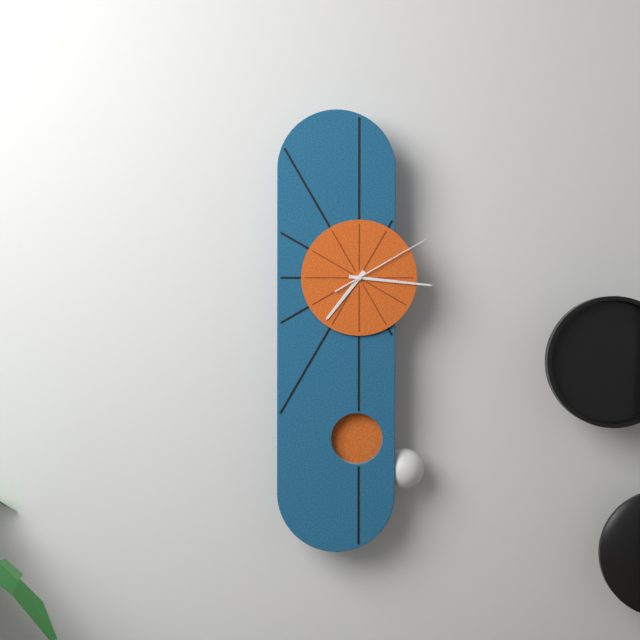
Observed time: **7:16:10**
